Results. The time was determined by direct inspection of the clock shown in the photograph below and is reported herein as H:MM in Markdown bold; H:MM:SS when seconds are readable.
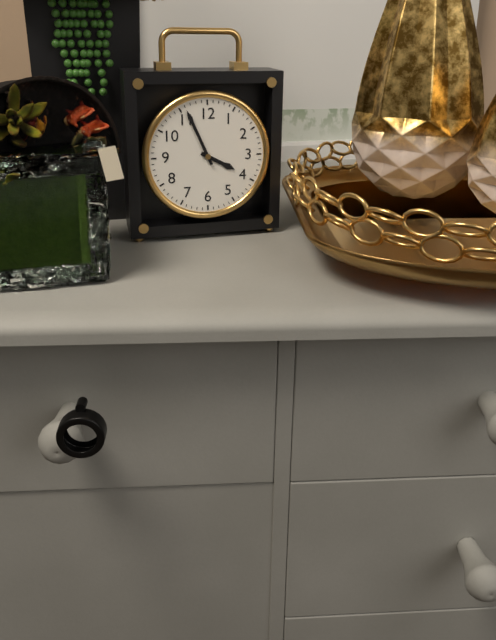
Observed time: **3:56**
